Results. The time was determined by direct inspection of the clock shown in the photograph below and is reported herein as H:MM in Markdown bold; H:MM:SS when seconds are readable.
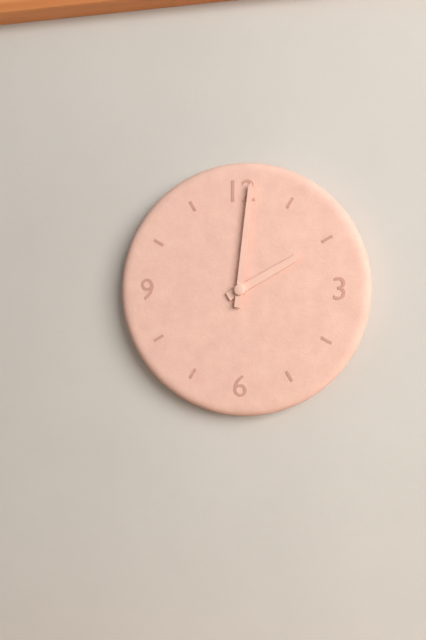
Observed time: **2:01**
